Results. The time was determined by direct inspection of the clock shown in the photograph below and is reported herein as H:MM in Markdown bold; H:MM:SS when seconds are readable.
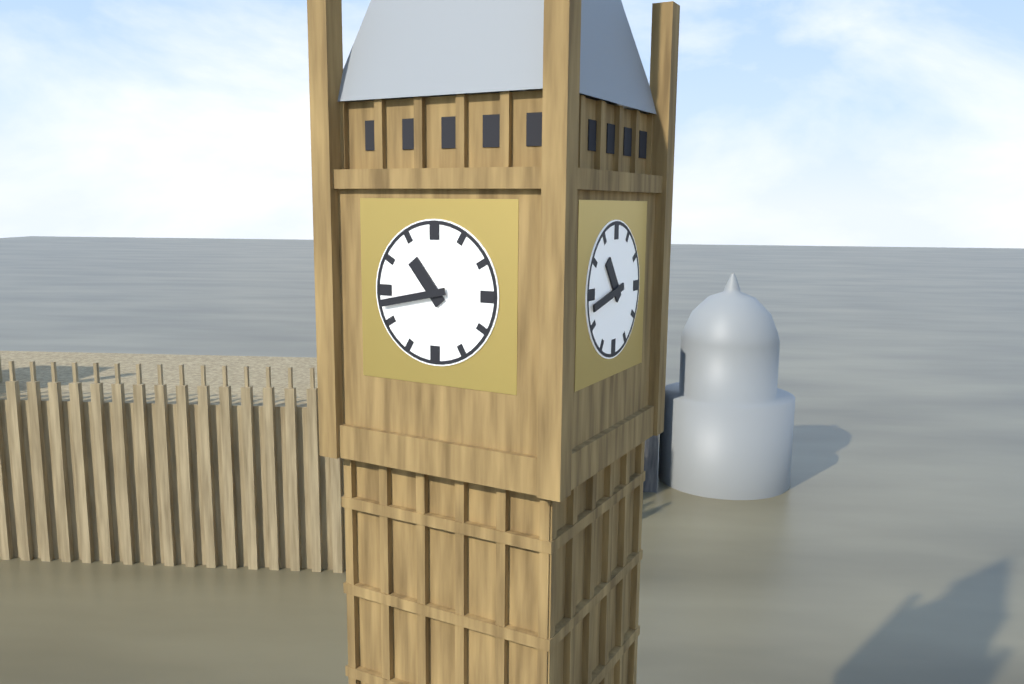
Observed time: **10:43**
